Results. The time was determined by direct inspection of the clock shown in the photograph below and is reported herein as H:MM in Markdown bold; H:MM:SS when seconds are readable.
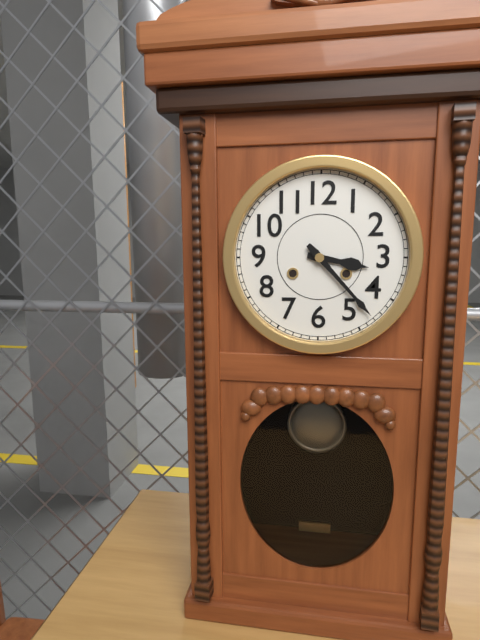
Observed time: **3:23**
